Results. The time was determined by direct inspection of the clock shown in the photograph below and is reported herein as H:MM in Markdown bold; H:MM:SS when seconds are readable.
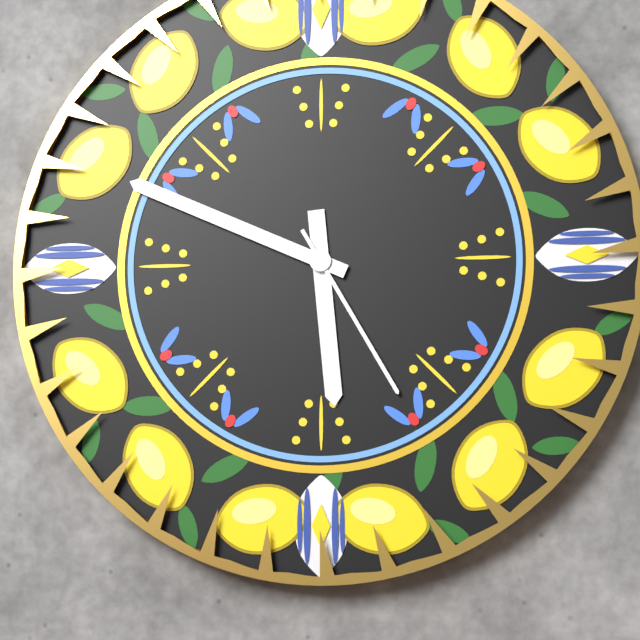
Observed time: **5:49:25**
